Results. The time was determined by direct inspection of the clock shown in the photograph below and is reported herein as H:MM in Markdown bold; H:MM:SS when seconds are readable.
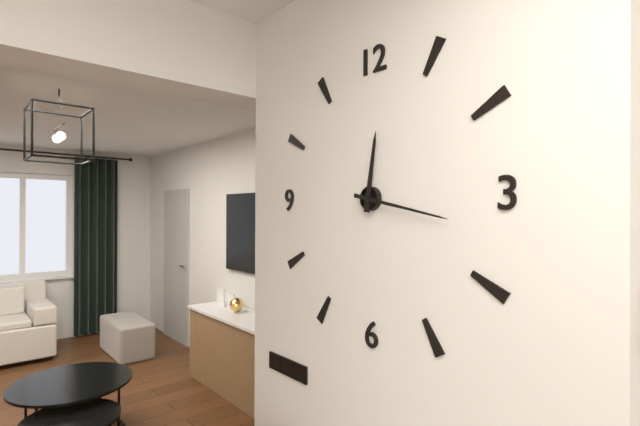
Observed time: **12:17**
